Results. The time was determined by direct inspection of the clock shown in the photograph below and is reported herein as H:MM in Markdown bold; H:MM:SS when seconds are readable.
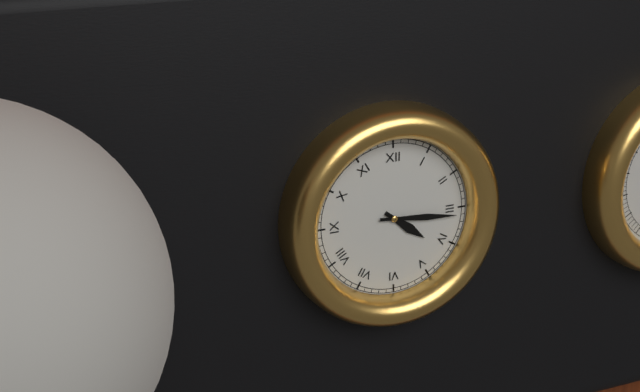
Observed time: **4:16**
